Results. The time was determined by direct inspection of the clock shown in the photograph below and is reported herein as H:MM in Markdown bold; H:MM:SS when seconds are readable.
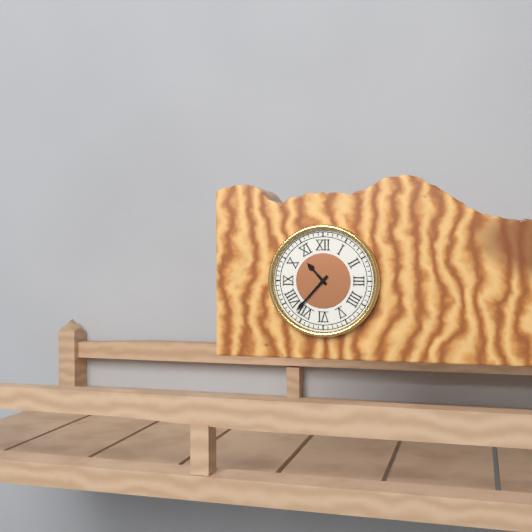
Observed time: **10:37**
